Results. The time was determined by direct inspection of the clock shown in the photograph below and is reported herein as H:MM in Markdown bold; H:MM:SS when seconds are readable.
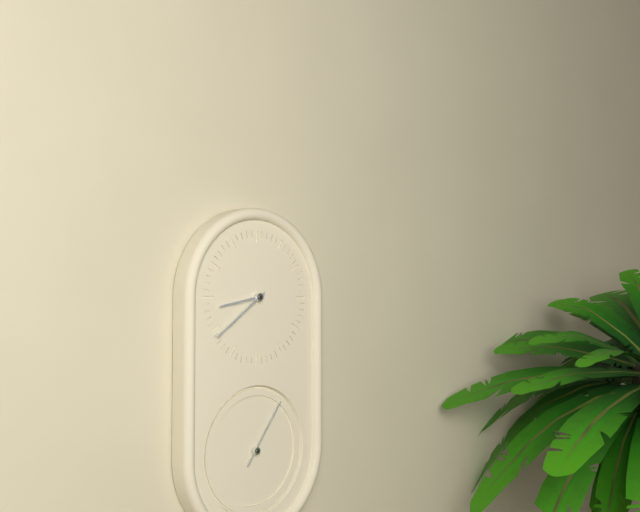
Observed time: **8:39:06**
